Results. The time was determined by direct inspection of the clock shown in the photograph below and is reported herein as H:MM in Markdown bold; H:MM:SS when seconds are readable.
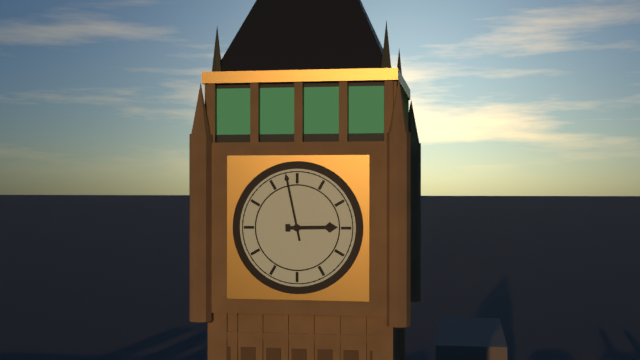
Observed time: **2:58**
